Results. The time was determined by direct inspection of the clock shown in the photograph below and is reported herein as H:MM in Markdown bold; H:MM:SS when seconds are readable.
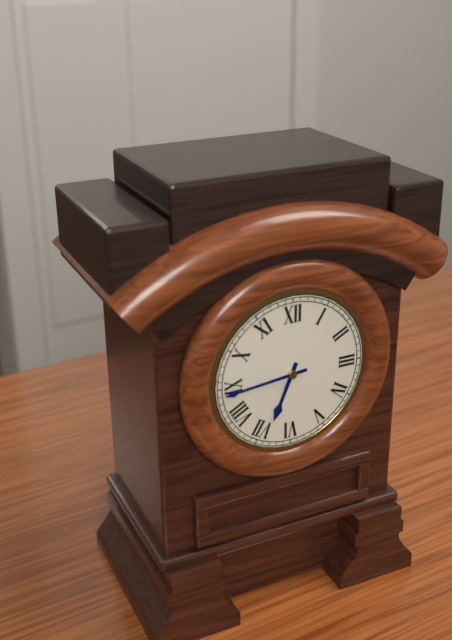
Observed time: **6:44**
